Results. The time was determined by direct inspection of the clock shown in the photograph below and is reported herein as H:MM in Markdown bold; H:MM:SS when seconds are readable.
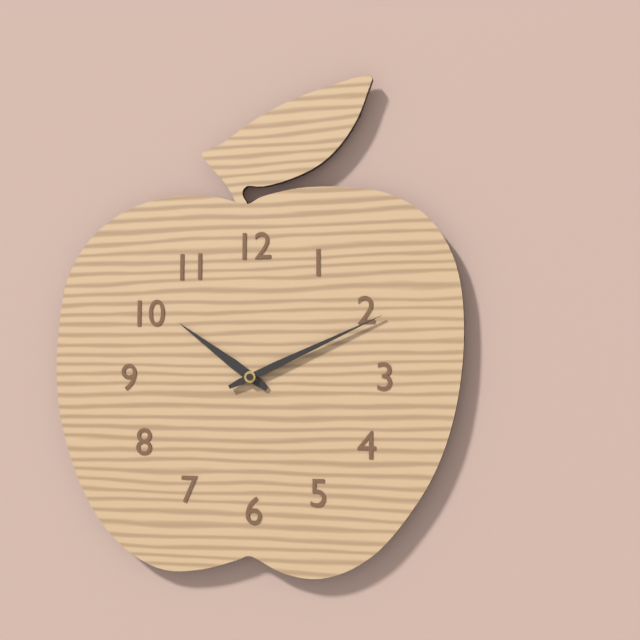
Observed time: **10:11**
